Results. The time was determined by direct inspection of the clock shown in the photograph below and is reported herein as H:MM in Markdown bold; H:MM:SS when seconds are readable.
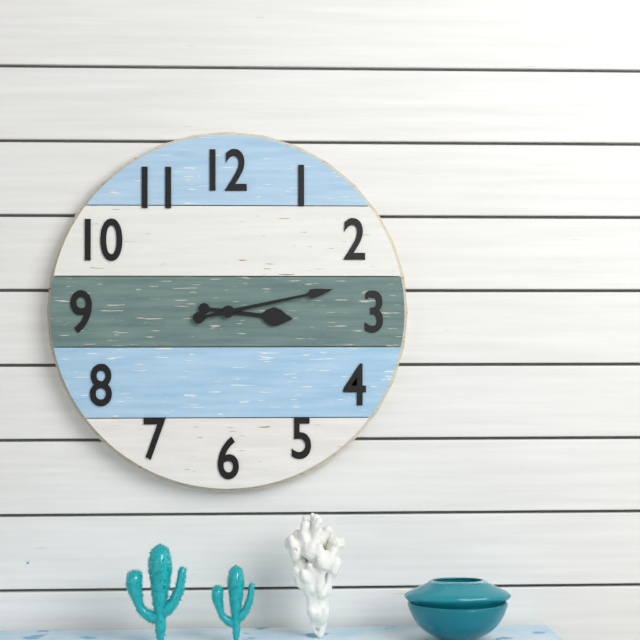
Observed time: **3:13**
